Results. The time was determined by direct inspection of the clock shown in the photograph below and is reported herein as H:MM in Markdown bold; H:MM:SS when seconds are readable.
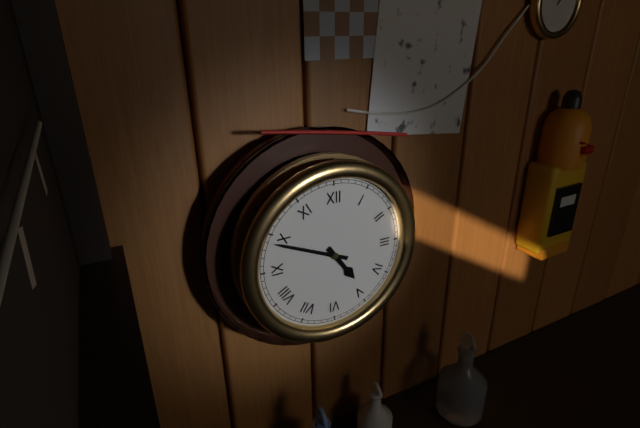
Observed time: **4:49**
